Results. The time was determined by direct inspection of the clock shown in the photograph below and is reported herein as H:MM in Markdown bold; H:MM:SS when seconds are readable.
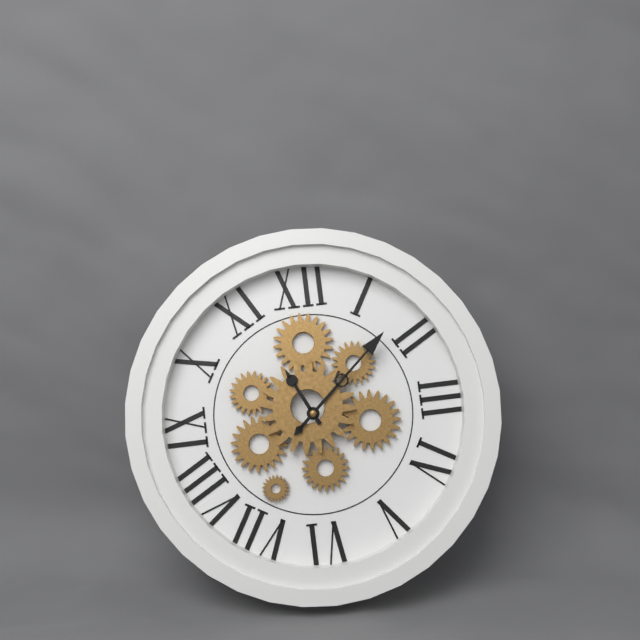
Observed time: **11:08**
